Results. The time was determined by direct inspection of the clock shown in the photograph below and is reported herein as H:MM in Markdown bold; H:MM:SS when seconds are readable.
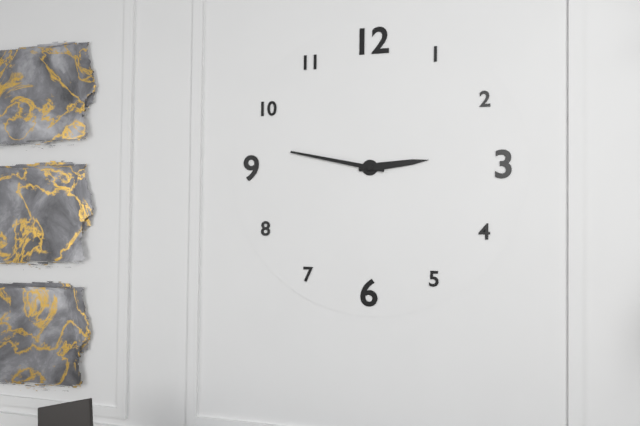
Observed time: **2:47**
